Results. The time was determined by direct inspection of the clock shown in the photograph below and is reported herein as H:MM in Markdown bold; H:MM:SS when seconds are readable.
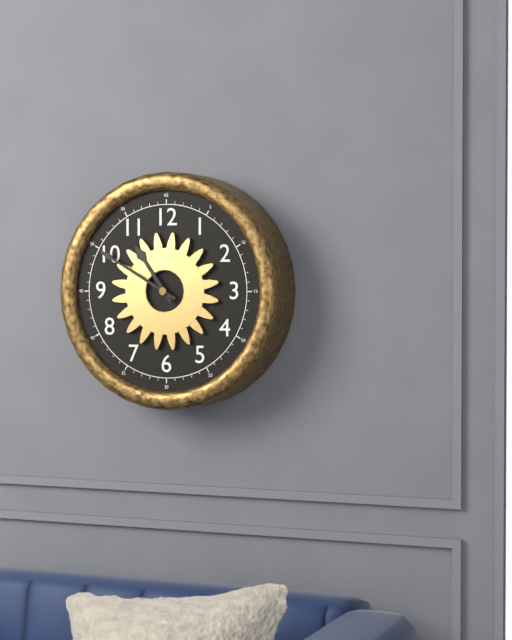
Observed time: **10:50**
